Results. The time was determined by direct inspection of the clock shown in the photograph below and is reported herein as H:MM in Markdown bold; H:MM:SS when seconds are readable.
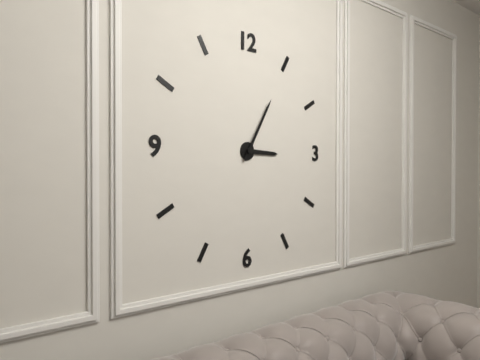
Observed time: **3:05**
